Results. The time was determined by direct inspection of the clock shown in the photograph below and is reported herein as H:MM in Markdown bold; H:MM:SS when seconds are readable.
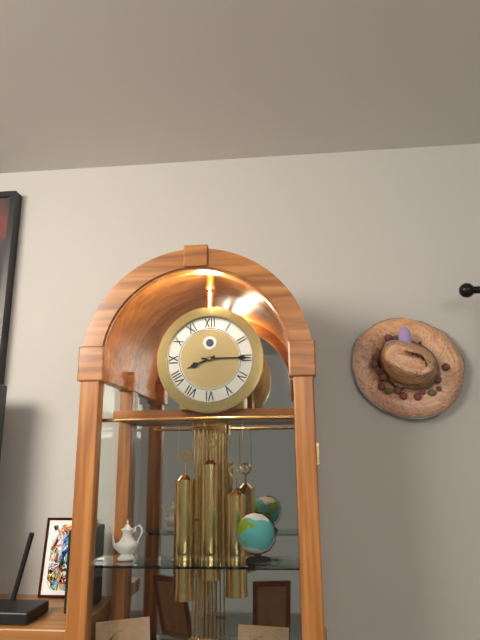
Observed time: **8:15**
